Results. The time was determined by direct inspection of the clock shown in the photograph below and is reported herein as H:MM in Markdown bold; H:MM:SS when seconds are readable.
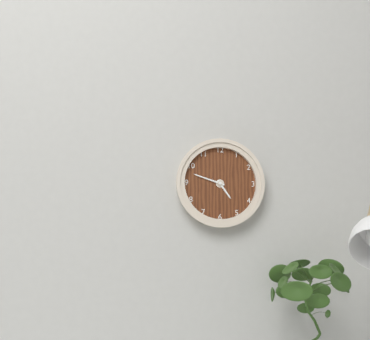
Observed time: **4:48**
